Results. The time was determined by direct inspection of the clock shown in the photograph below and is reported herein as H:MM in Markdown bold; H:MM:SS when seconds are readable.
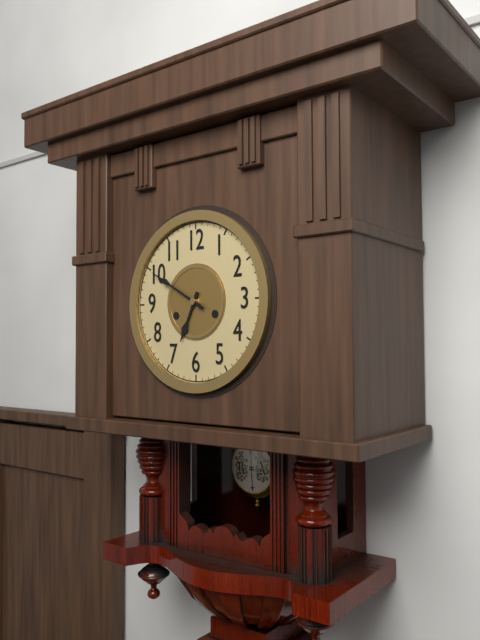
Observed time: **6:50**
